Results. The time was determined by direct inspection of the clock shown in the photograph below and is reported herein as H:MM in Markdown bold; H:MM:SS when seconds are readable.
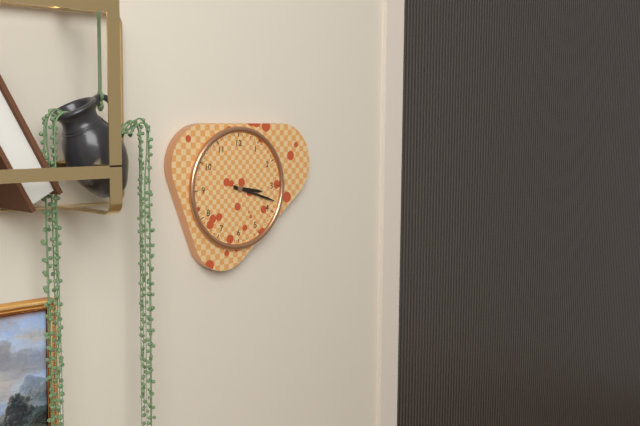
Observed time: **3:18**
